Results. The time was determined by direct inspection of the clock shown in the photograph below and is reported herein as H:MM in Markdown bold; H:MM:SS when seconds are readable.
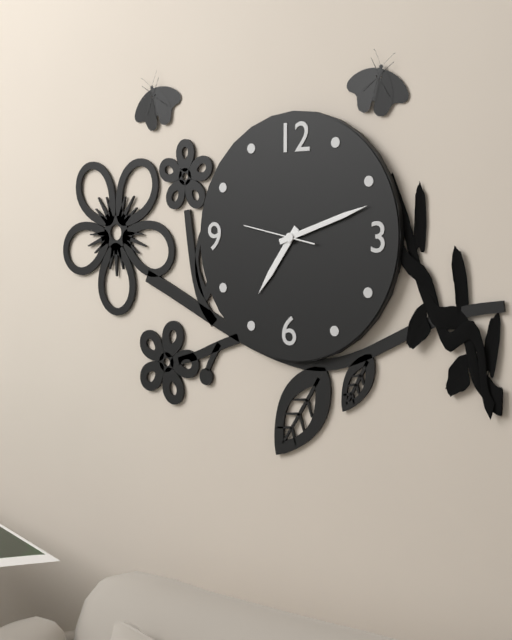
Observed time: **7:12:47**
